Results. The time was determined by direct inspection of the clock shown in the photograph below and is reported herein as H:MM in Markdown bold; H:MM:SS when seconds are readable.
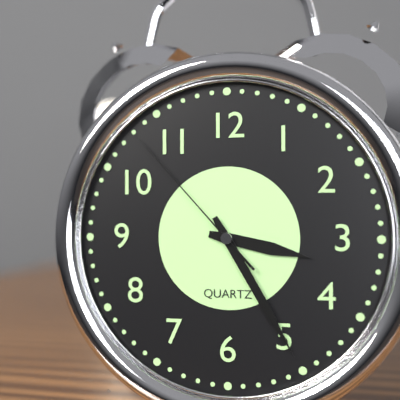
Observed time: **3:25:53**
